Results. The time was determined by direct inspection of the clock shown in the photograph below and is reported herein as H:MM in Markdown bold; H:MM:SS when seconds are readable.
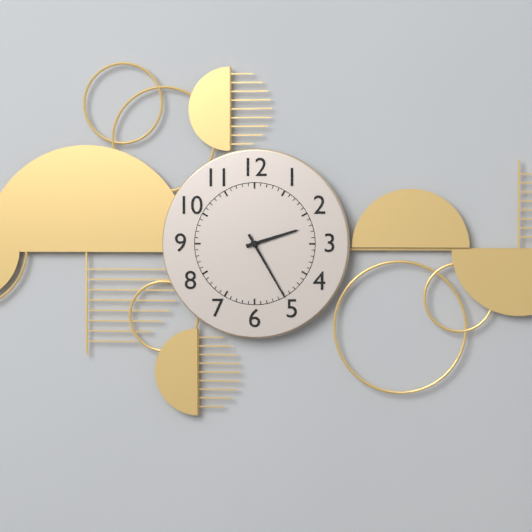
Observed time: **2:25**
